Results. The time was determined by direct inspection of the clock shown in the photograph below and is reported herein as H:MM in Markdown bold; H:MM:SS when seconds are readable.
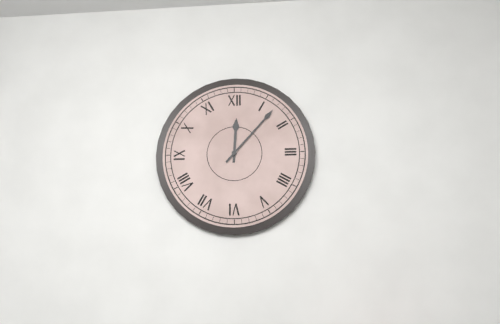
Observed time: **12:07**
